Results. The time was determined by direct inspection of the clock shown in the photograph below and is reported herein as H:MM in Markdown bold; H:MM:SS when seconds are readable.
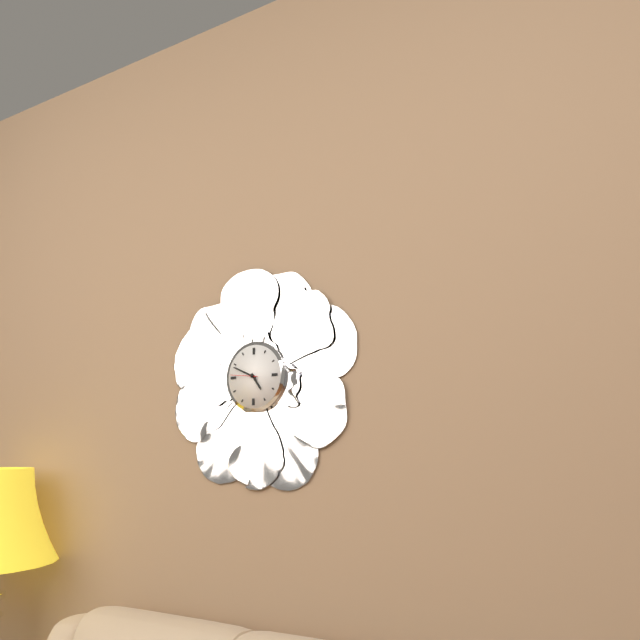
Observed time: **4:49**
